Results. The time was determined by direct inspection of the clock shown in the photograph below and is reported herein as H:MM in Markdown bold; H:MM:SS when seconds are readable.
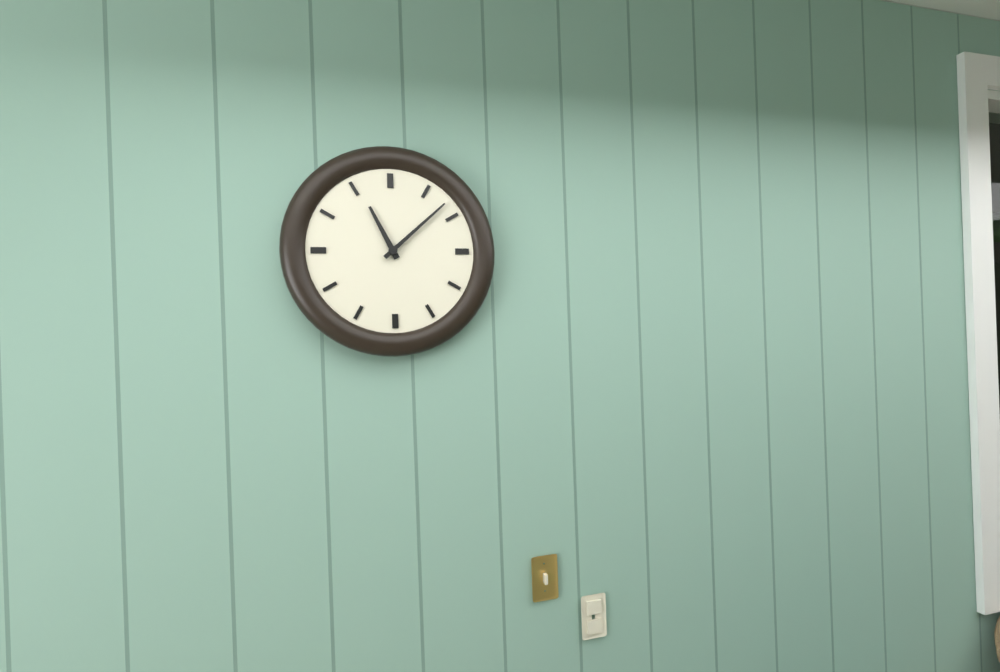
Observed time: **11:08**
